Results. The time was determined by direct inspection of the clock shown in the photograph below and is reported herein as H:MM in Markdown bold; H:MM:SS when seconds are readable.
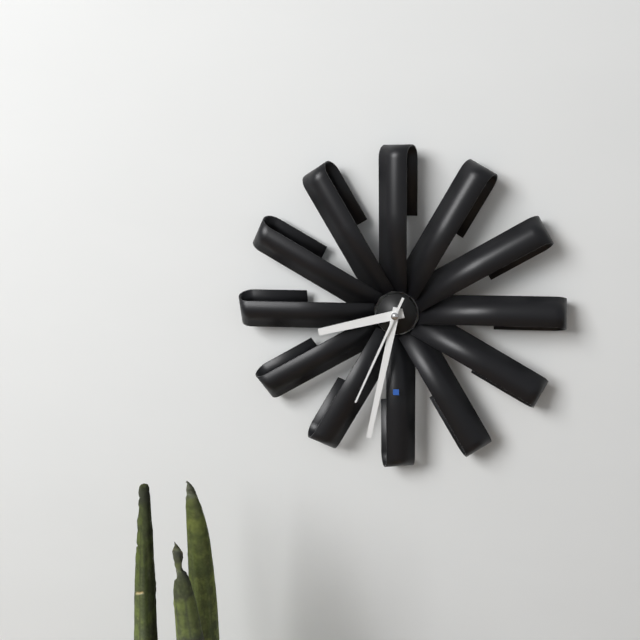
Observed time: **8:32:34**
